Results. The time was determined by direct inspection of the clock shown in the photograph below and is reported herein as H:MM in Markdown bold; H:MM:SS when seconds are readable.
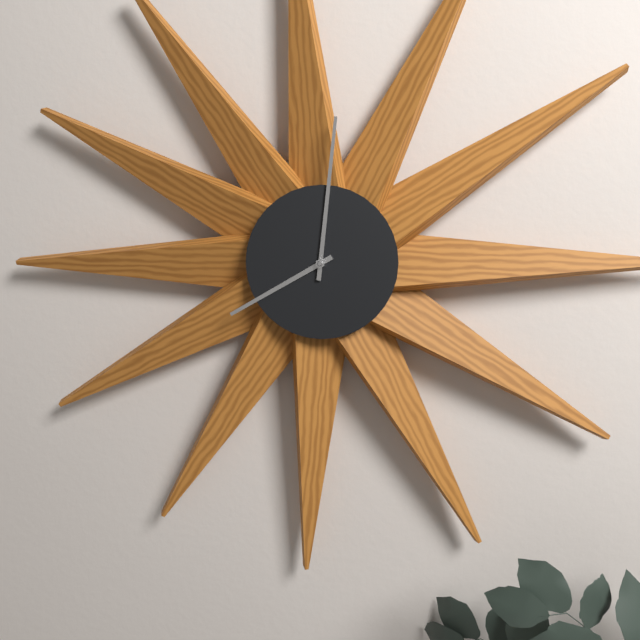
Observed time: **8:01**
